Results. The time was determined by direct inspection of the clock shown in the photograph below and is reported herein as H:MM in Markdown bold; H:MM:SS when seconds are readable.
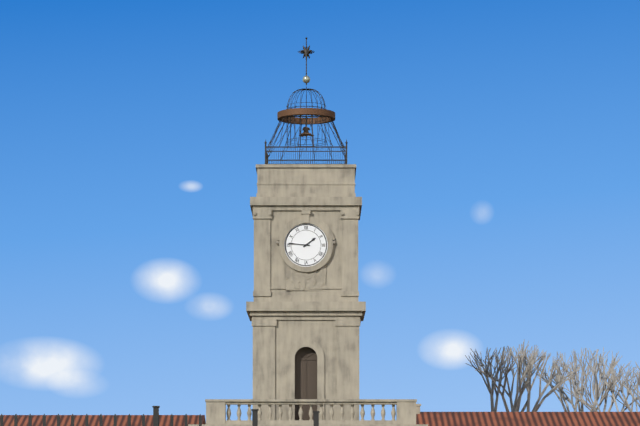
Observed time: **1:46**
